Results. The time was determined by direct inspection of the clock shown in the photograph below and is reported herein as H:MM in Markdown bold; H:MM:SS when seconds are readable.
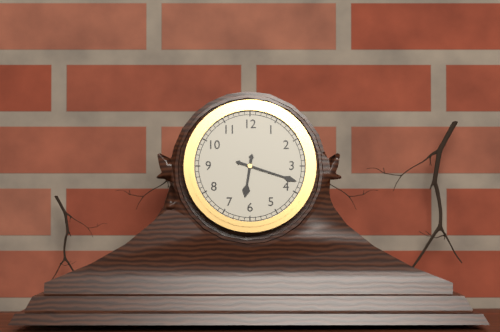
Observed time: **6:18**
